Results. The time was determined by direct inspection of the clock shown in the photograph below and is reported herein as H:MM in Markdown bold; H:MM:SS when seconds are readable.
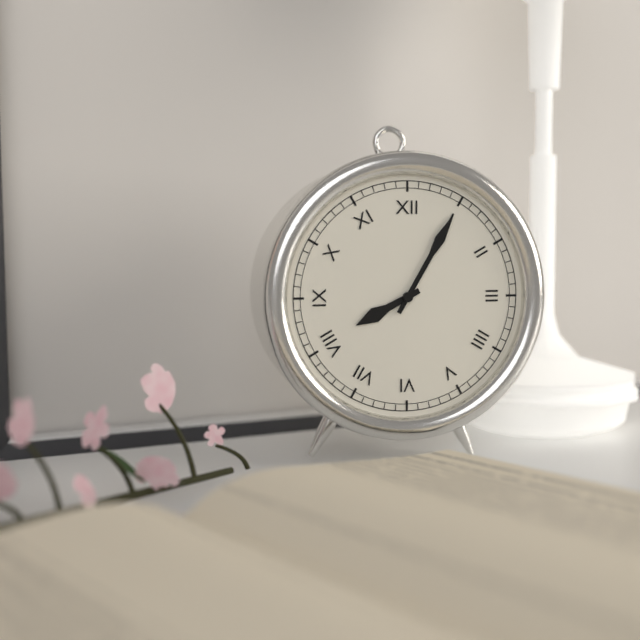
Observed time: **8:05**
